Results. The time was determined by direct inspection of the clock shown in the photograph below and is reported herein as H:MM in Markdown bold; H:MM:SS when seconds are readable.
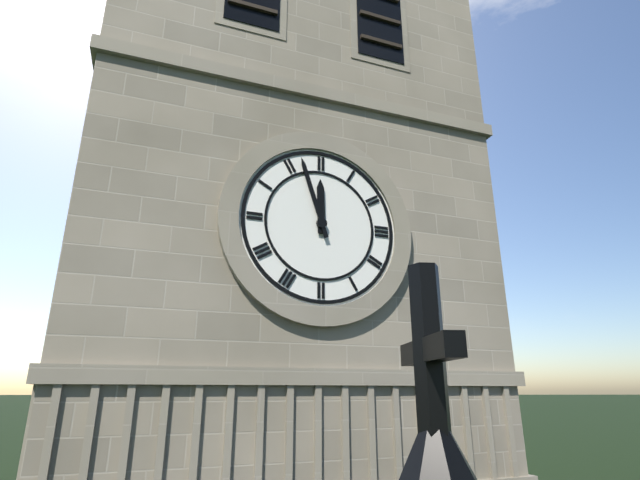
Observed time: **11:57**
